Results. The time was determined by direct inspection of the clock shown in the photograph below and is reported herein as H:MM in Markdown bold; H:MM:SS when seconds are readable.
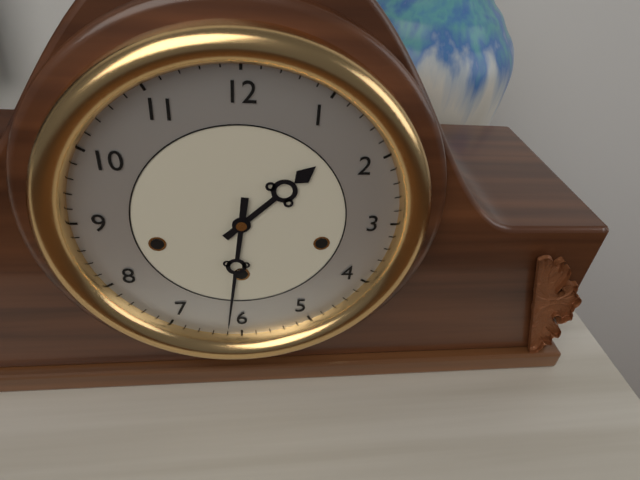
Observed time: **1:31**
